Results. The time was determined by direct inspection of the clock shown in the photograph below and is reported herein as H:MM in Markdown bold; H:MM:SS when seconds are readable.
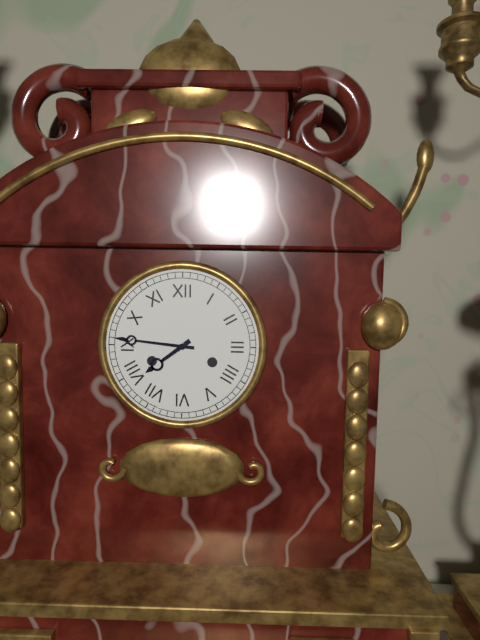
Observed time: **7:46**
